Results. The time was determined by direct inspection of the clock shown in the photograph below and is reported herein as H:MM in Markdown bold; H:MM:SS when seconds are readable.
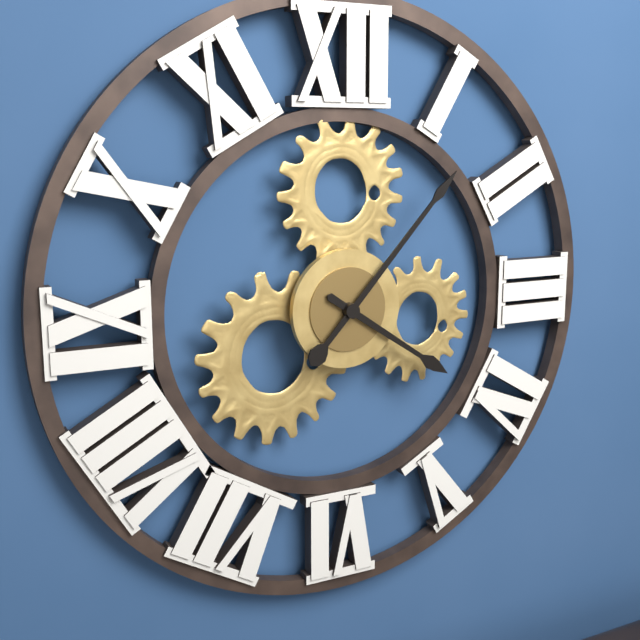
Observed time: **4:07**
